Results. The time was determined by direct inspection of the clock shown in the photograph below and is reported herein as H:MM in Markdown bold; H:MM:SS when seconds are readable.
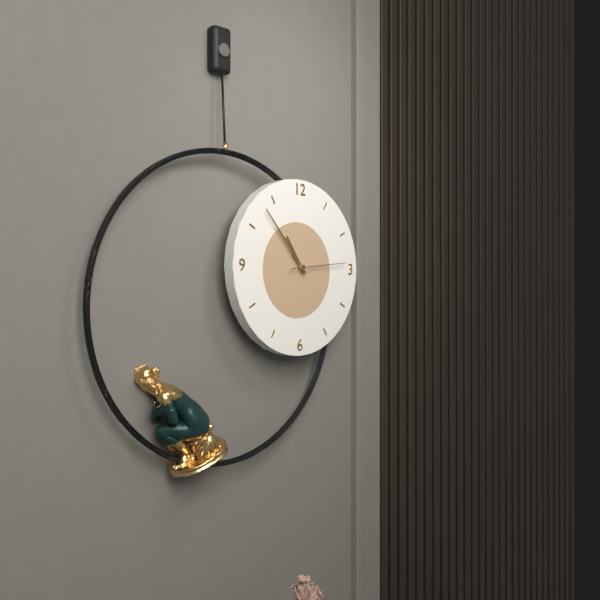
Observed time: **10:53:14**
